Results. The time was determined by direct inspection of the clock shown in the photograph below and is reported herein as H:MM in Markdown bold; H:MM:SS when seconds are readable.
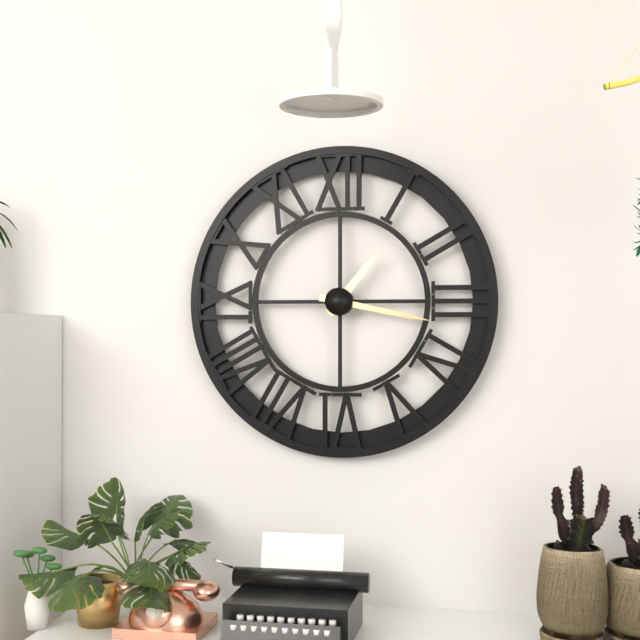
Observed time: **1:17**
